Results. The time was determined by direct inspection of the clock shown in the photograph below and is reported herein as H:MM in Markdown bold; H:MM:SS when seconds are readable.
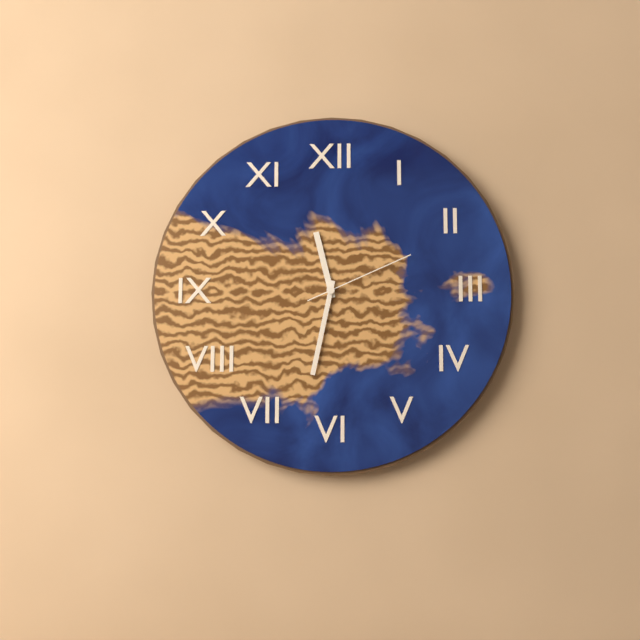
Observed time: **11:32:11**
